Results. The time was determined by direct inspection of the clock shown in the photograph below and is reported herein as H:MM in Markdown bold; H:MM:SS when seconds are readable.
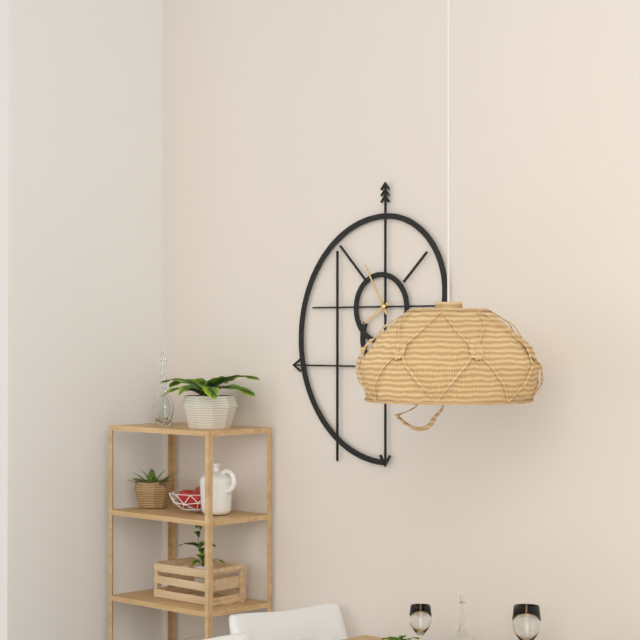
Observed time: **7:55**
